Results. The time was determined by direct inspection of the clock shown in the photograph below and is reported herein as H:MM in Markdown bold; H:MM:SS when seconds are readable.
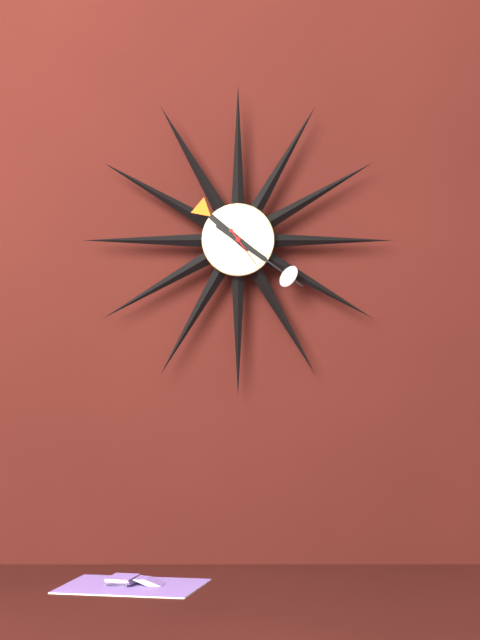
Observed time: **10:21**
